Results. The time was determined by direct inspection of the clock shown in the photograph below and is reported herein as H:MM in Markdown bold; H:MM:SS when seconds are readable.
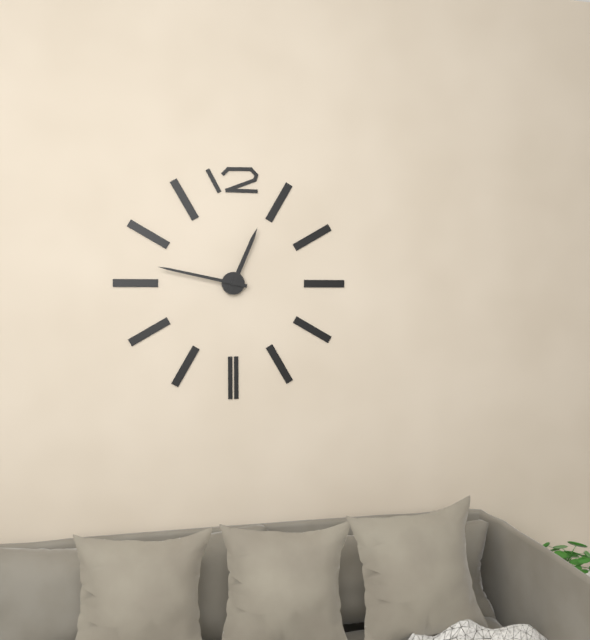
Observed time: **12:47**
